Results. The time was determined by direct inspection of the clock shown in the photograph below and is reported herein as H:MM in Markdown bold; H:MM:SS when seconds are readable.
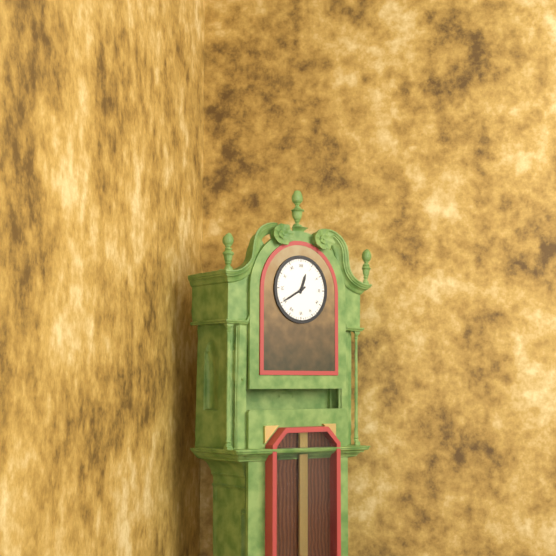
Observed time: **12:40**
